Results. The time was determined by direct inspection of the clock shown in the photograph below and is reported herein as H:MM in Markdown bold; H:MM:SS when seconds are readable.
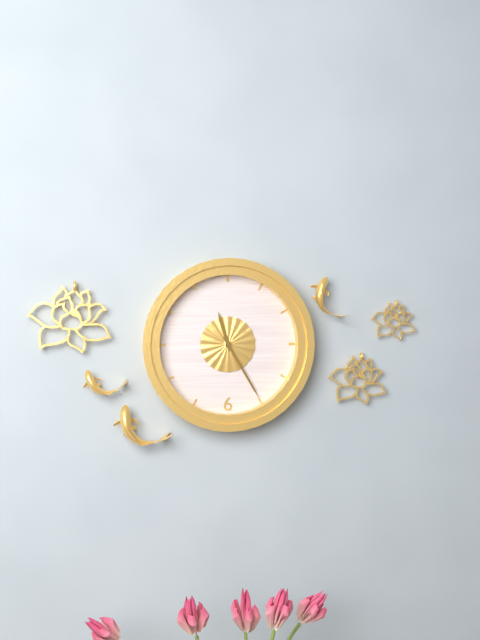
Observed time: **11:25**
